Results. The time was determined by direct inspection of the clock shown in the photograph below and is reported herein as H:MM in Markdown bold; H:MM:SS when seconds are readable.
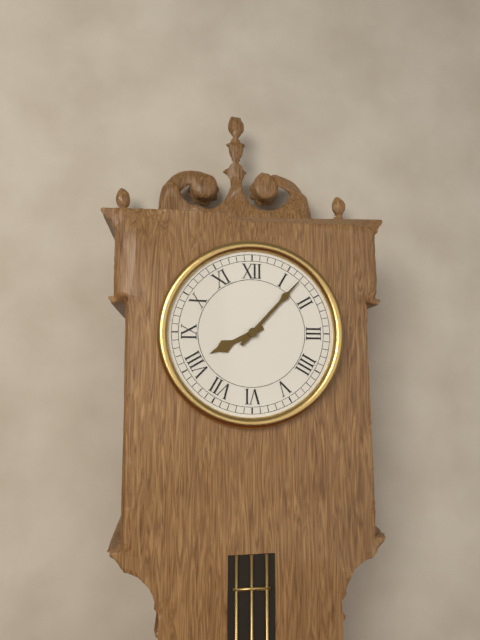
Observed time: **8:07**
